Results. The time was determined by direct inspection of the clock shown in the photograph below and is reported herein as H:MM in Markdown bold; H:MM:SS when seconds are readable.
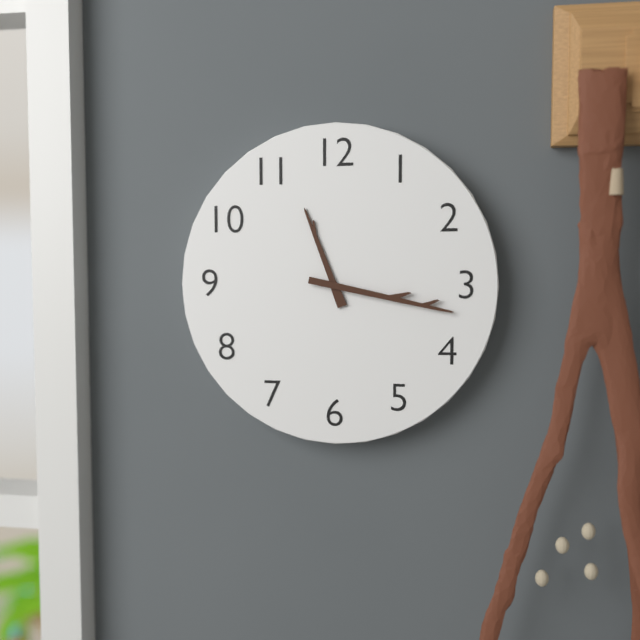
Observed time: **11:17**
